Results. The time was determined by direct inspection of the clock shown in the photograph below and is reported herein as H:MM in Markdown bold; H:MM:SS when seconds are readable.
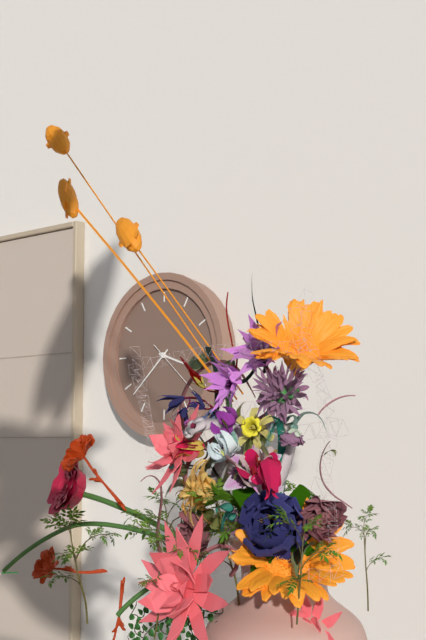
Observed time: **3:38:22**
